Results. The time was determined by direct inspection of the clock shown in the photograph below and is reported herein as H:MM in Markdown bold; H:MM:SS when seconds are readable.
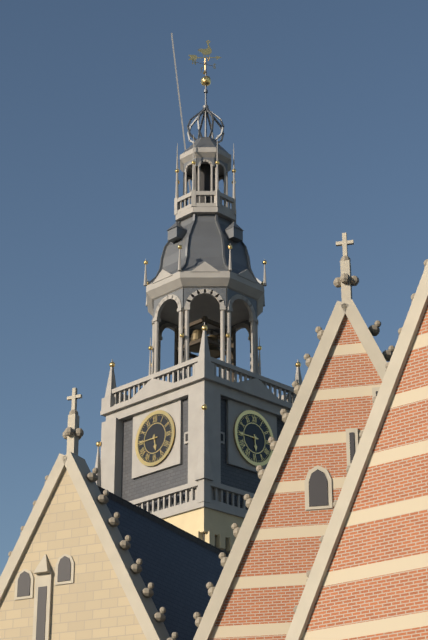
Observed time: **5:45**
